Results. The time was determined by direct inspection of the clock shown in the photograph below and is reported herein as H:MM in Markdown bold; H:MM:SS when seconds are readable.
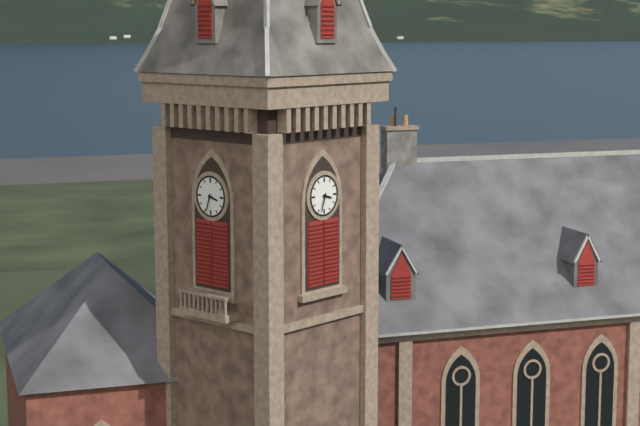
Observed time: **3:33**
